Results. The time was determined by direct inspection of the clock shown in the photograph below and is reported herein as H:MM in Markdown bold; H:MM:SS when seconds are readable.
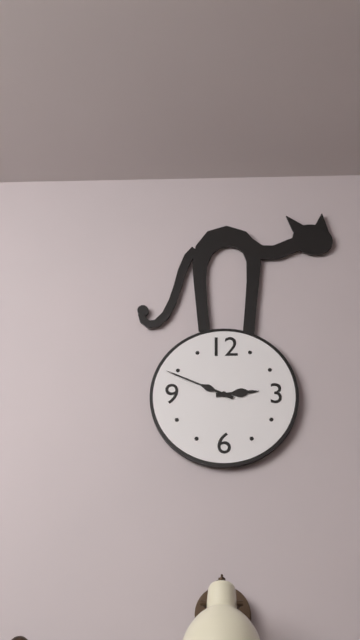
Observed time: **2:49**
